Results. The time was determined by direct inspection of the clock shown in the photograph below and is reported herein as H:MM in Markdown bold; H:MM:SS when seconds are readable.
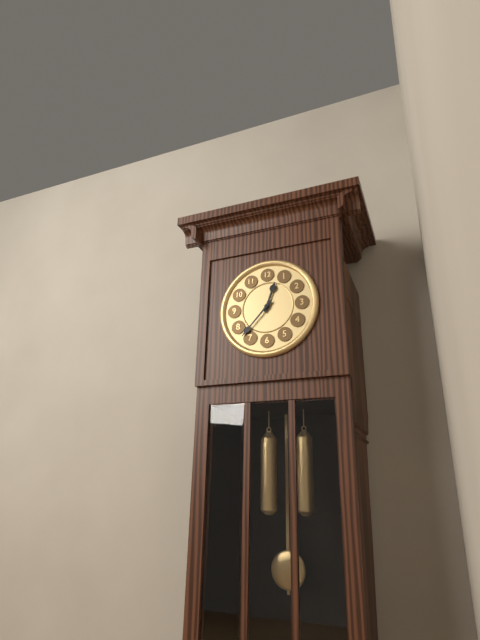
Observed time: **12:37**
